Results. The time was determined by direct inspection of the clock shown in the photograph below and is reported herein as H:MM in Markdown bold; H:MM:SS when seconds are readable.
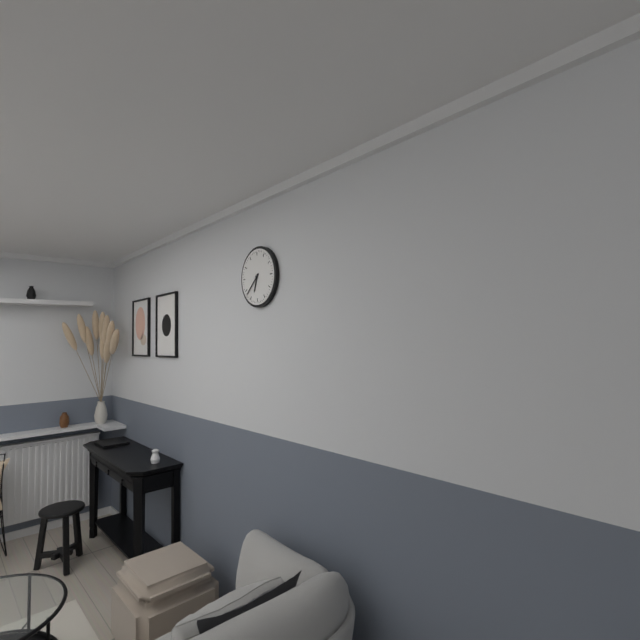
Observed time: **6:38**
